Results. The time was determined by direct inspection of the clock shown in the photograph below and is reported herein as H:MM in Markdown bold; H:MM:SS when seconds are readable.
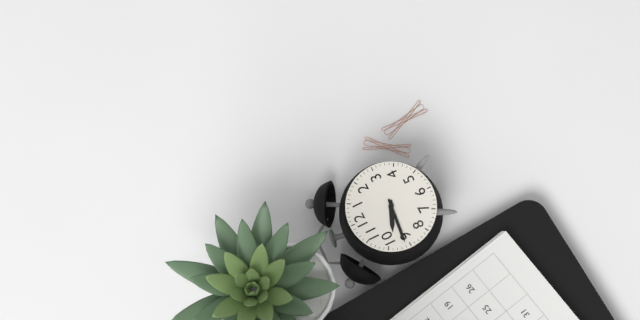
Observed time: **9:46**
